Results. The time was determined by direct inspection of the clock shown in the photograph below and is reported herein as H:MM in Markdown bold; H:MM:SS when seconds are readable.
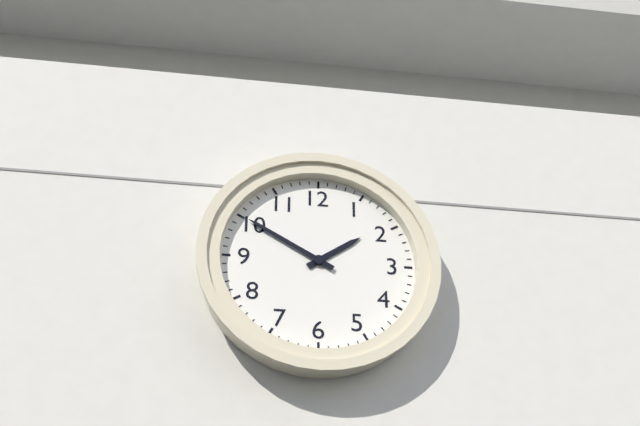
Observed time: **1:50**
